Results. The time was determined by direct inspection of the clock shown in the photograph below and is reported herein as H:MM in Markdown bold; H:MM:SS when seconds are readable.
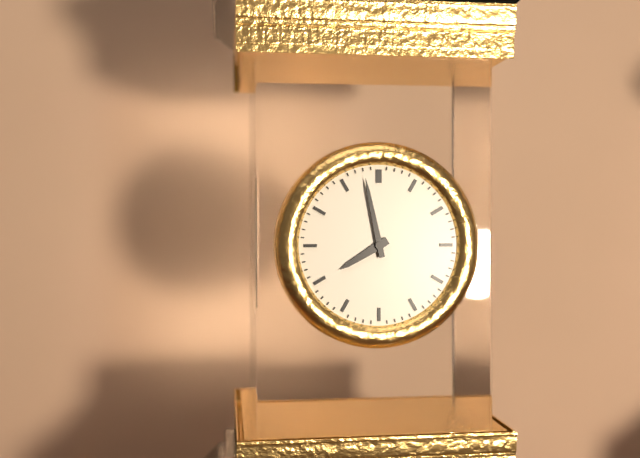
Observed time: **7:58**
